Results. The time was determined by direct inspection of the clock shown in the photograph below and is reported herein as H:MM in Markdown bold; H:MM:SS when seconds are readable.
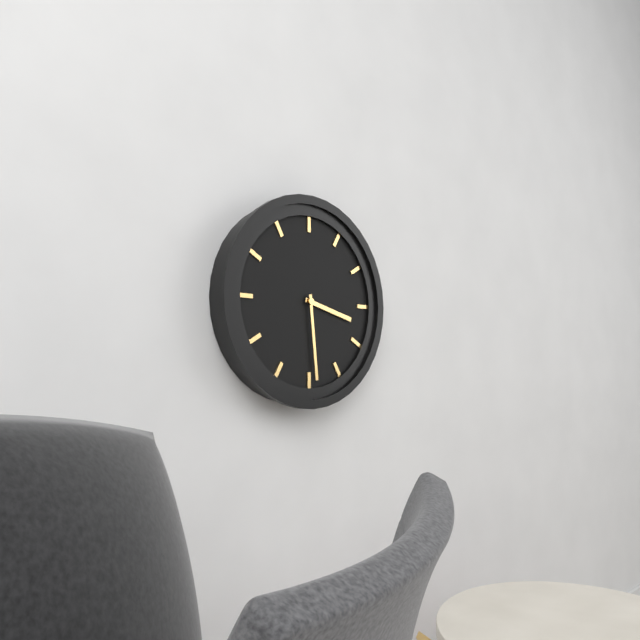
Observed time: **3:29**
